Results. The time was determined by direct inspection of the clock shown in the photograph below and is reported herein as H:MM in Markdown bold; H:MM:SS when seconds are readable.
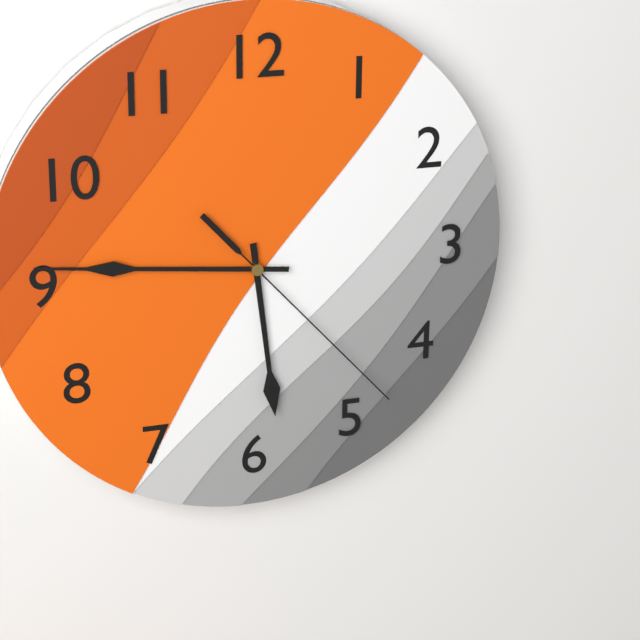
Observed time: **5:46:23**
